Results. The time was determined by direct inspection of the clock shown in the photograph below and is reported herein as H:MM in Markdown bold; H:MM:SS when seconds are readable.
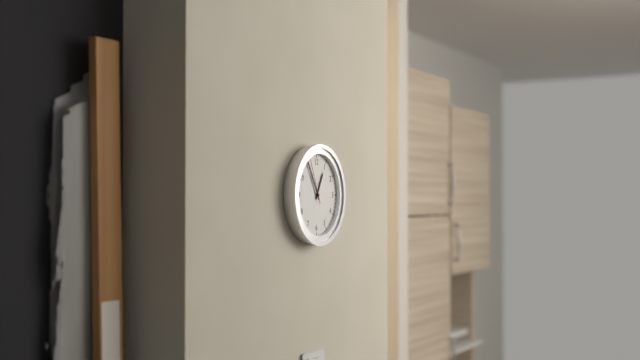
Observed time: **12:55**
